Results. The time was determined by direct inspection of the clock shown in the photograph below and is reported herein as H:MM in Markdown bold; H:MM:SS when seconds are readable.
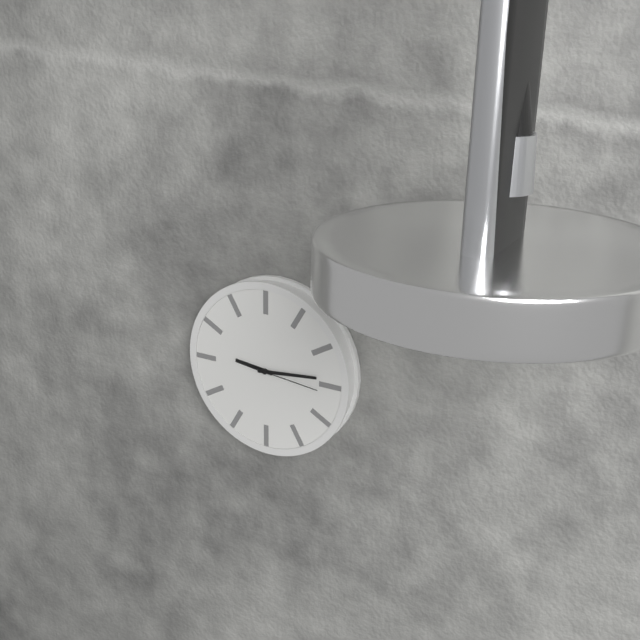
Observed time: **9:14:16**
